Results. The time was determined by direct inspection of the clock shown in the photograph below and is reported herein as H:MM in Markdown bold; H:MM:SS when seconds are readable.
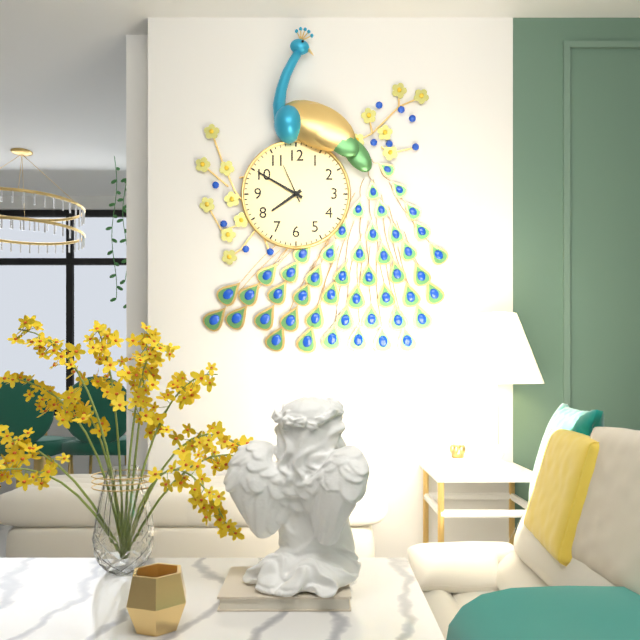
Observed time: **7:50**
